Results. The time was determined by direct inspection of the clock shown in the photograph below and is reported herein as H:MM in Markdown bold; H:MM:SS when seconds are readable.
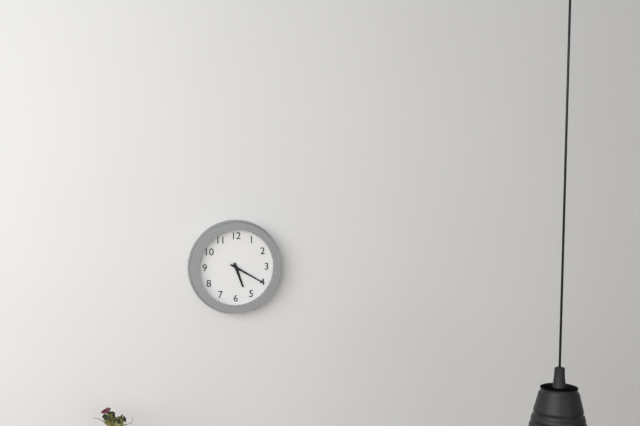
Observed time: **5:20**
